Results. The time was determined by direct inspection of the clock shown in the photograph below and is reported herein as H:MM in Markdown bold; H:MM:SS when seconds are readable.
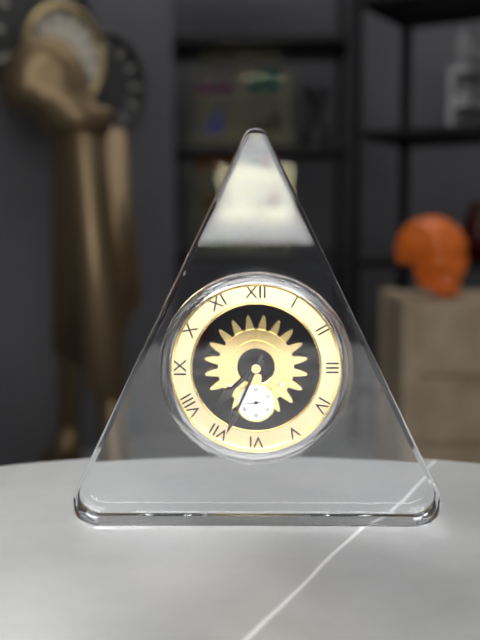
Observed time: **7:34**
